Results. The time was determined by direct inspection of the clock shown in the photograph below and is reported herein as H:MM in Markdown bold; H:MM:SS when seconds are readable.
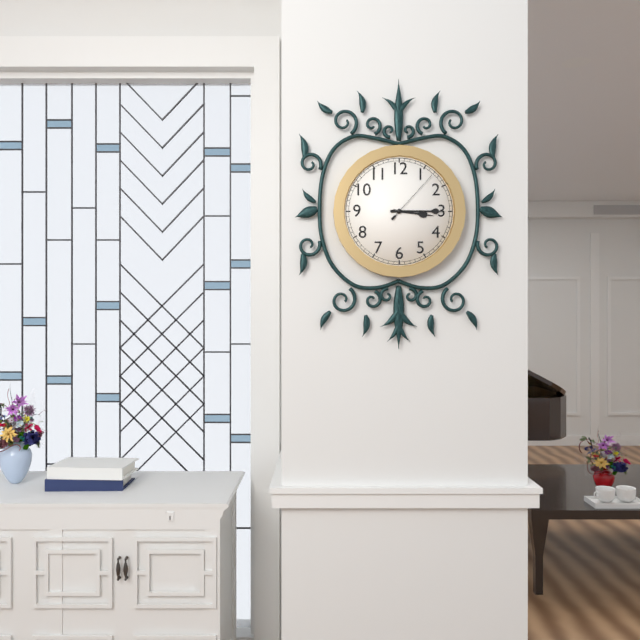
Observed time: **3:15:07**
